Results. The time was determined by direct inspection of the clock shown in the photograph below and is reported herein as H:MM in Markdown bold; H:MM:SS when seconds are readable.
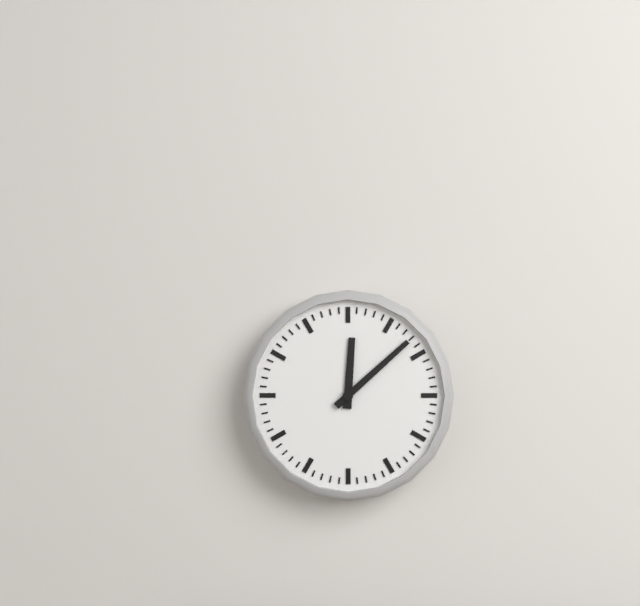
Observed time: **12:08**
